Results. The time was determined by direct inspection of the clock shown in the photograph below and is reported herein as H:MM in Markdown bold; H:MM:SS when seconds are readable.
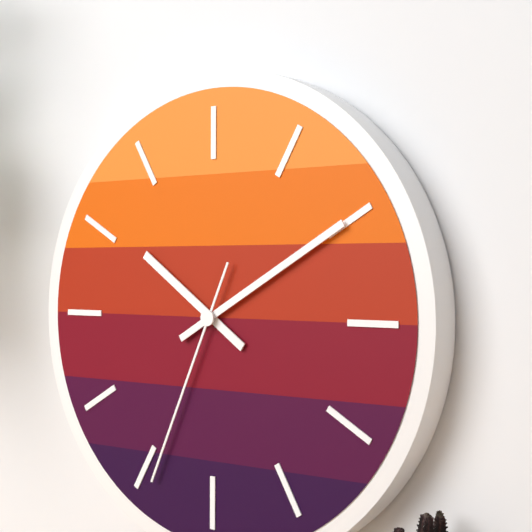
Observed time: **10:10:34**
